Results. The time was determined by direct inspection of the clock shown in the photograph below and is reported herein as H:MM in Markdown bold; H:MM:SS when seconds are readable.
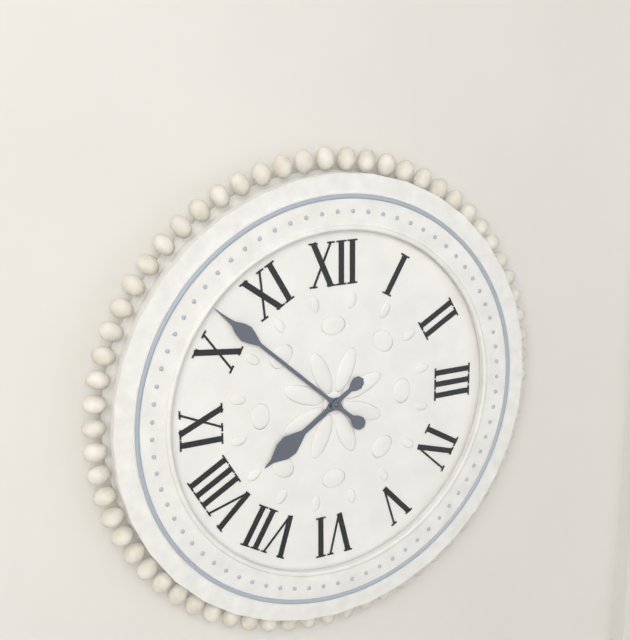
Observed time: **7:52**
